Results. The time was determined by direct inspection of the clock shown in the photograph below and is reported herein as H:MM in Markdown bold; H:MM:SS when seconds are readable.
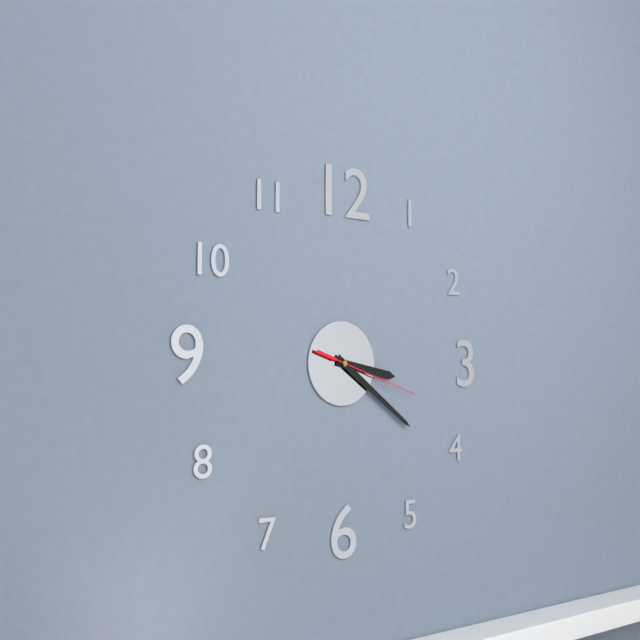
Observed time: **3:21:18**
